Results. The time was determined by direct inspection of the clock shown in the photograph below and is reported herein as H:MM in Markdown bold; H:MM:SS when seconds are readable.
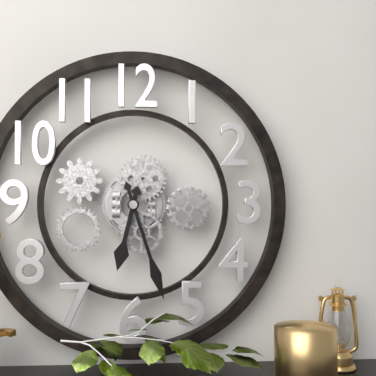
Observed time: **6:27**
